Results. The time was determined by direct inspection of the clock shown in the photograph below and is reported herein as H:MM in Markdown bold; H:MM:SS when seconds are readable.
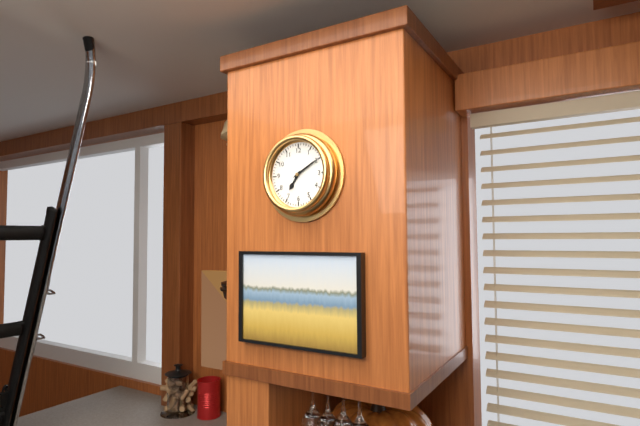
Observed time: **7:10**
